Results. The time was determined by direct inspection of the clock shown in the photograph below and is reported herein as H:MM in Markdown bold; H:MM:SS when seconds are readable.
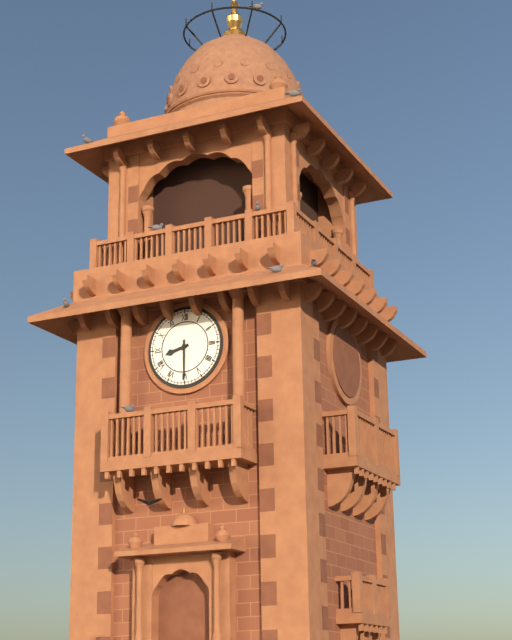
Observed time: **8:30**
